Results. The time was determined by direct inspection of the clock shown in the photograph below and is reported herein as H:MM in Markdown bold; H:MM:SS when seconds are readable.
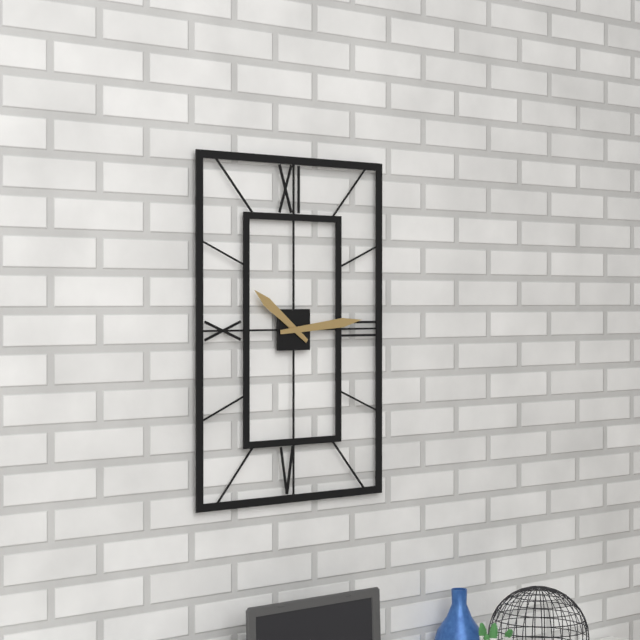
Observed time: **10:14**
